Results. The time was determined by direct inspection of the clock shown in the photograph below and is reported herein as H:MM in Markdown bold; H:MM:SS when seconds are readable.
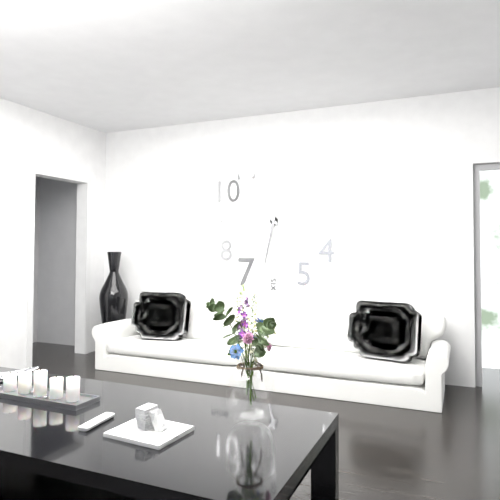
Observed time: **10:32**
